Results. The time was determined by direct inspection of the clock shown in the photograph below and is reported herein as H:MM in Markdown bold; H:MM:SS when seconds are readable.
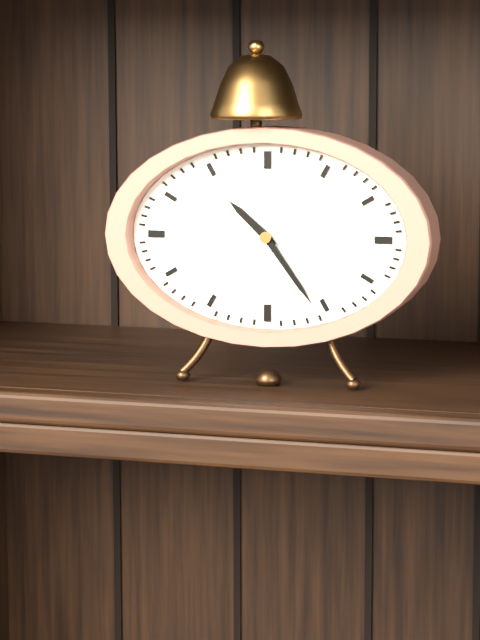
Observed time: **10:24**
